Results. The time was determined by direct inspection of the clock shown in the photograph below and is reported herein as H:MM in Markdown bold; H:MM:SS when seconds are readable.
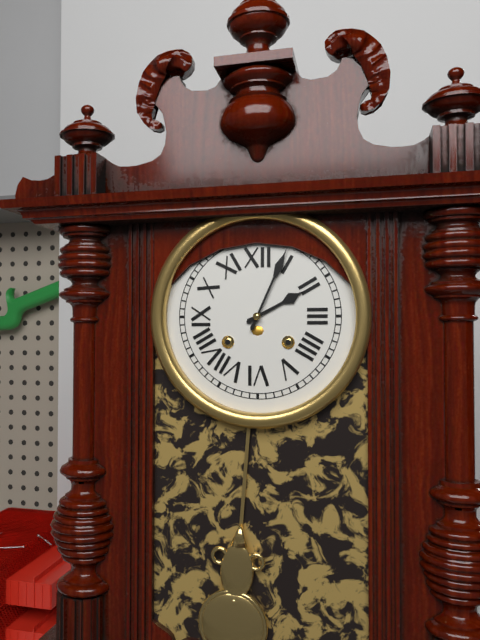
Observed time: **2:04**
